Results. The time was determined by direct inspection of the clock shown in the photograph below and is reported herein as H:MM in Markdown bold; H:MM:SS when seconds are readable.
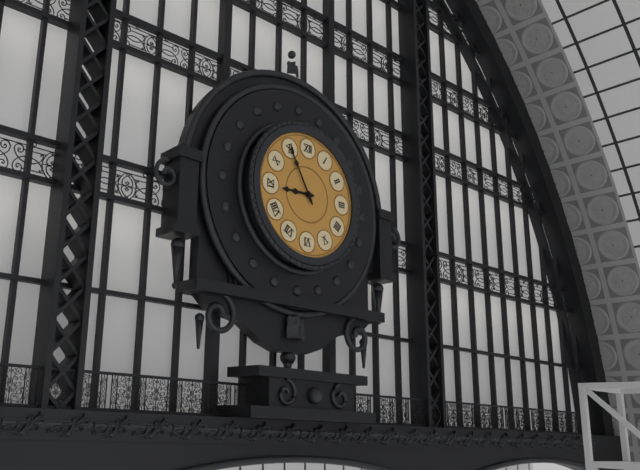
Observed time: **8:55**
